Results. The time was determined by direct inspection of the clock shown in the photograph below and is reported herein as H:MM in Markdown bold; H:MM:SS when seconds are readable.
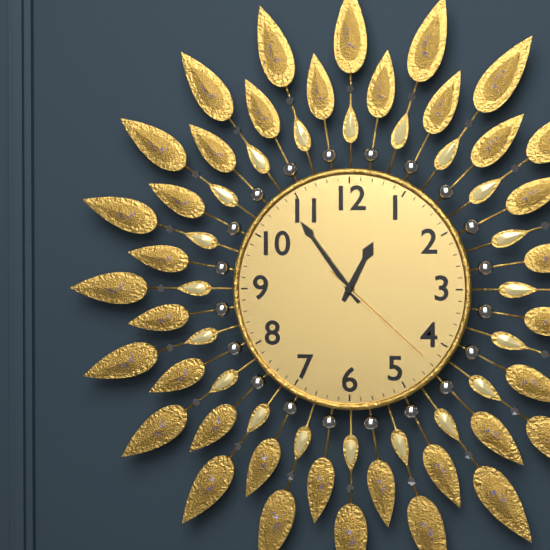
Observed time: **12:54:22**
